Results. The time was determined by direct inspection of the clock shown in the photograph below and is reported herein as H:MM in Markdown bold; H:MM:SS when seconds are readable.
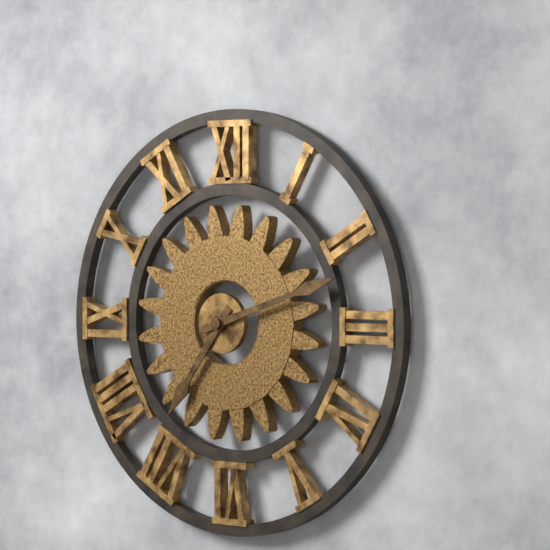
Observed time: **7:12**
